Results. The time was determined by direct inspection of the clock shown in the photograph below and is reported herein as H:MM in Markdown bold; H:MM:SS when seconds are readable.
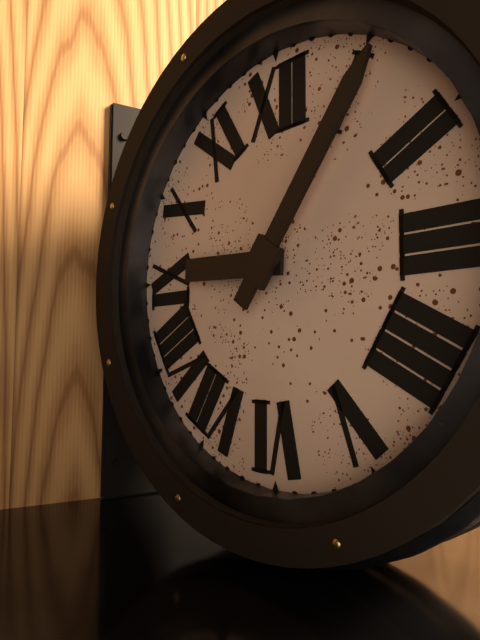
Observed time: **9:06**
